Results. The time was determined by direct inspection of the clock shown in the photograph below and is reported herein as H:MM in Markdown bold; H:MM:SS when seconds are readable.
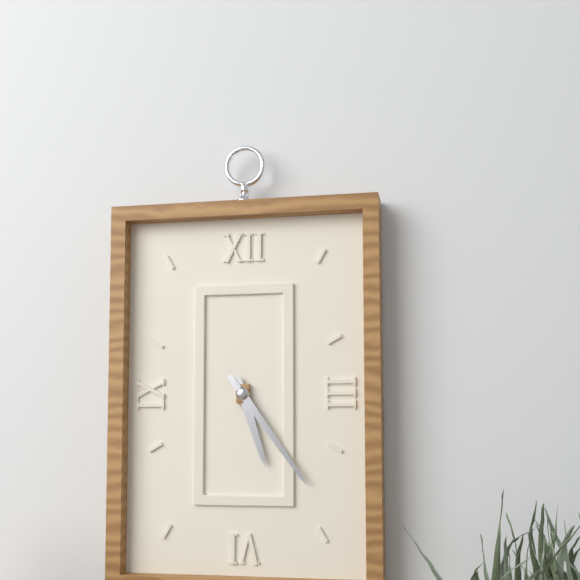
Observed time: **5:24**
